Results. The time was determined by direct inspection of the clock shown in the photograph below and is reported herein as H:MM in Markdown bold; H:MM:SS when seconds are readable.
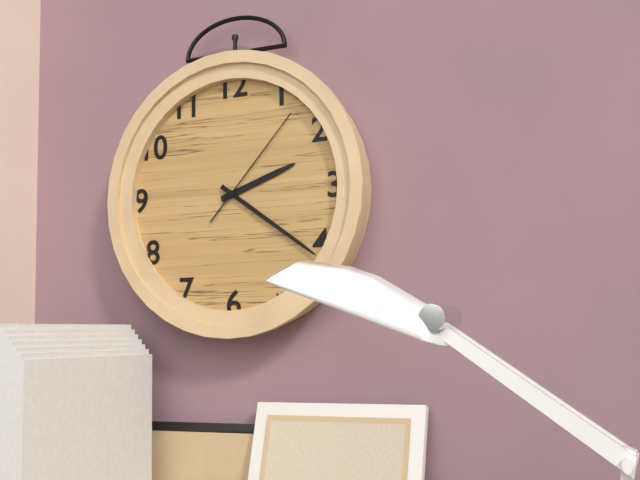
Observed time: **2:21:07**
